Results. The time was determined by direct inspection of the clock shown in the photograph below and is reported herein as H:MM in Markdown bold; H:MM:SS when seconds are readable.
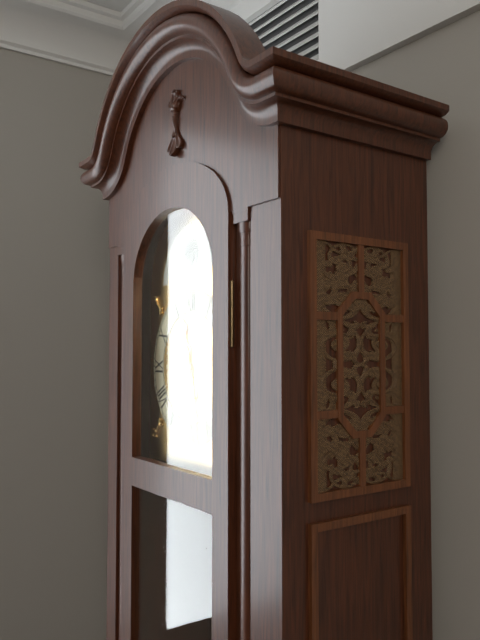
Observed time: **11:28**
